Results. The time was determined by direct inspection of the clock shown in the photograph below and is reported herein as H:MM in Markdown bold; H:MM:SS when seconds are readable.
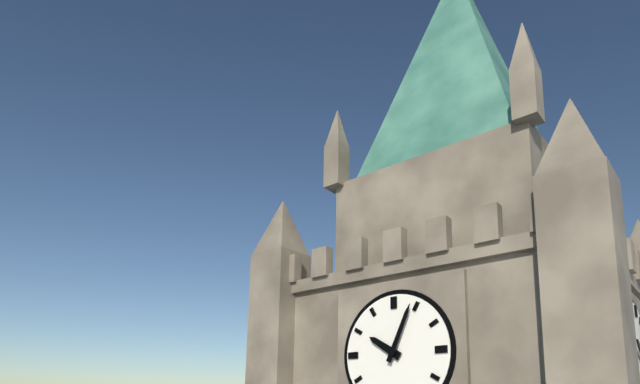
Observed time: **10:04**
